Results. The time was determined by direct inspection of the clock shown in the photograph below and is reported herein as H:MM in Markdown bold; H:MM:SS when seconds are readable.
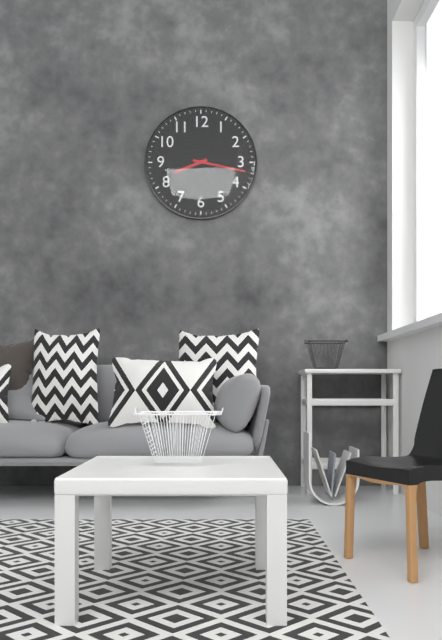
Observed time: **8:17**
